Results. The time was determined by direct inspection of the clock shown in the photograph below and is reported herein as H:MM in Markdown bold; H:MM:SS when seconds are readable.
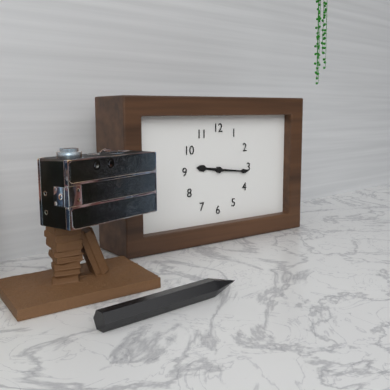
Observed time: **9:16**
